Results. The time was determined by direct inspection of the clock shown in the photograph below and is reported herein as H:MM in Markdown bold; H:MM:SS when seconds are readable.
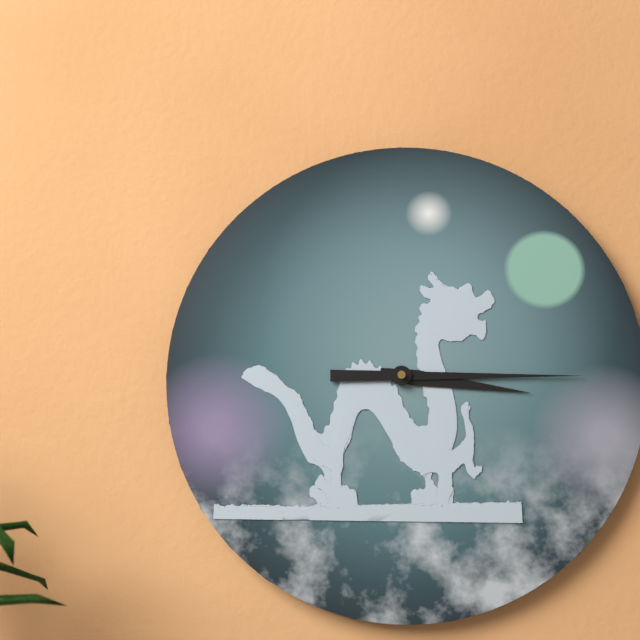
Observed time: **3:15**
